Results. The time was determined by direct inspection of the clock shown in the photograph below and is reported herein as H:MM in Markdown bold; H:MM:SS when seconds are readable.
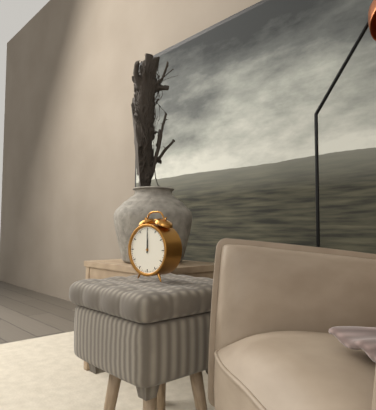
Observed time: **12:00**
